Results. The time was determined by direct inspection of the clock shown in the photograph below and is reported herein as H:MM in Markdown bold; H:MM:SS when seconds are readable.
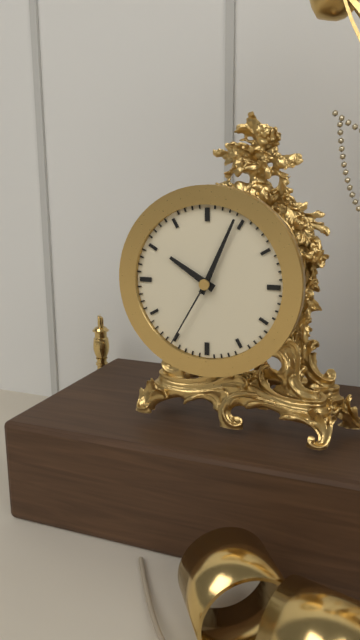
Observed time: **10:04:35**
